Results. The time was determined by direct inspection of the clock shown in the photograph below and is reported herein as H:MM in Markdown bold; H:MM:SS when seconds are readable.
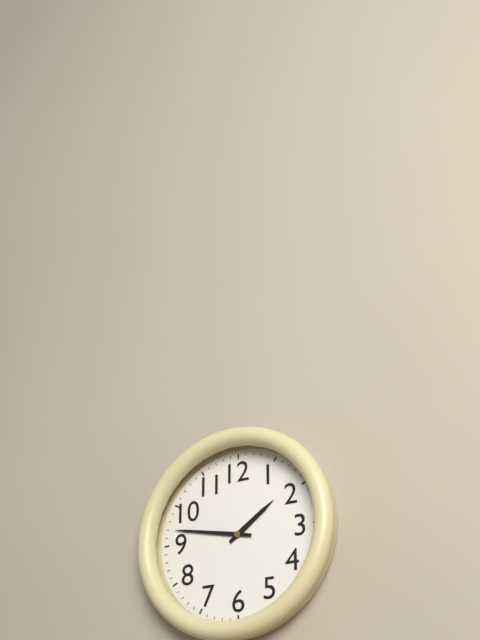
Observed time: **1:47**
